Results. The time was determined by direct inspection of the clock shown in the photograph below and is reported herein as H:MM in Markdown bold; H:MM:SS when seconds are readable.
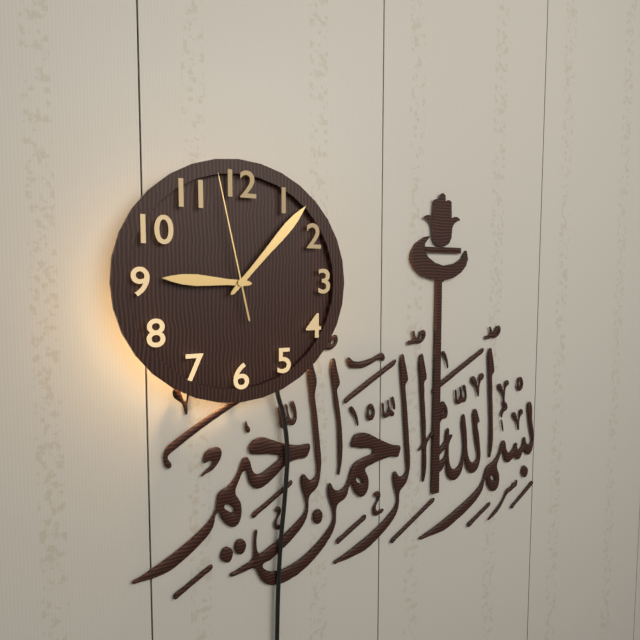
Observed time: **9:07:58**
